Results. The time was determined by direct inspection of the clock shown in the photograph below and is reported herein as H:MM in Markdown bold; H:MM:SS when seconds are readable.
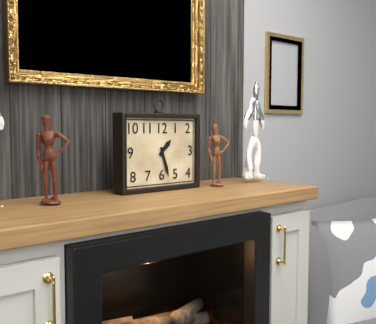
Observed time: **1:27**
